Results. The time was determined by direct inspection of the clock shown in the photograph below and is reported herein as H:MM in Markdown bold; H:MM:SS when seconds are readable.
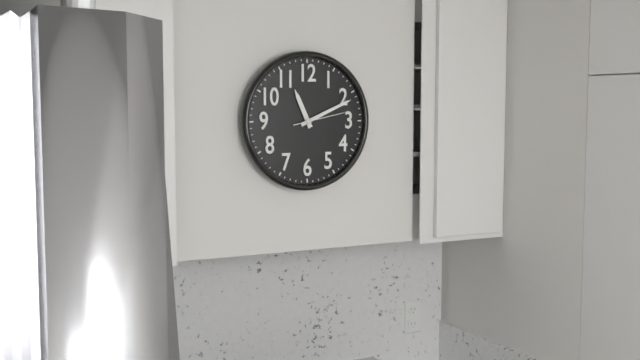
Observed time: **11:11:13**
